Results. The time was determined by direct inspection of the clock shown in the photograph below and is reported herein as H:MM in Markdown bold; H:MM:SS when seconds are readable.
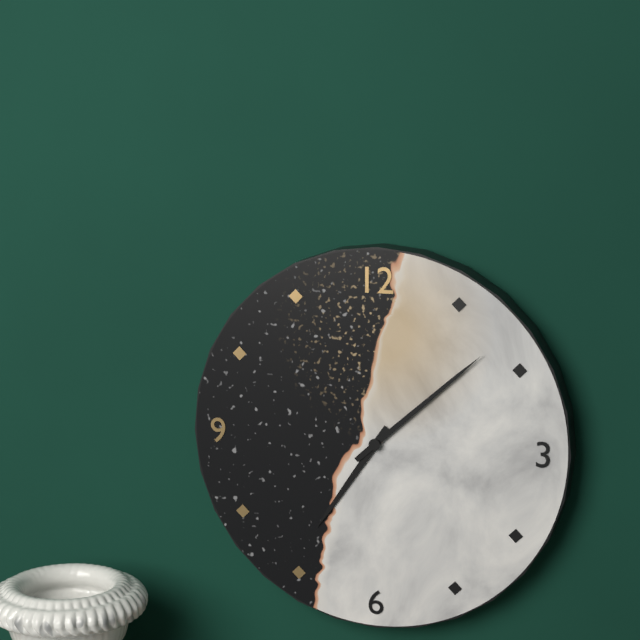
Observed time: **7:08**
